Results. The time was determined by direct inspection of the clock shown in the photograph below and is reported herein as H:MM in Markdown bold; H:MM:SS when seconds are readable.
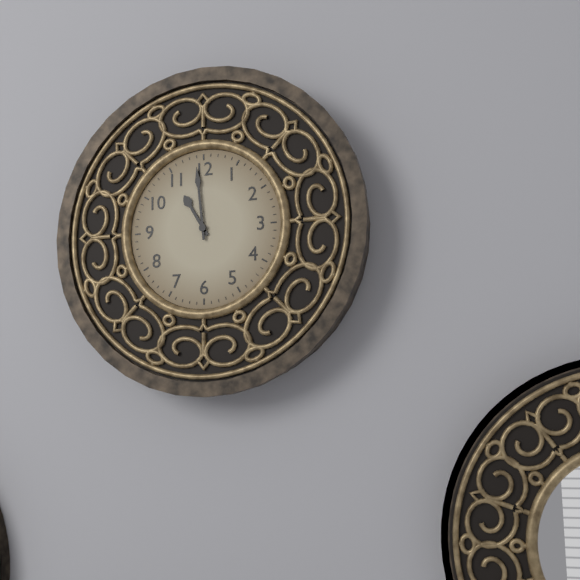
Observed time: **10:59**
